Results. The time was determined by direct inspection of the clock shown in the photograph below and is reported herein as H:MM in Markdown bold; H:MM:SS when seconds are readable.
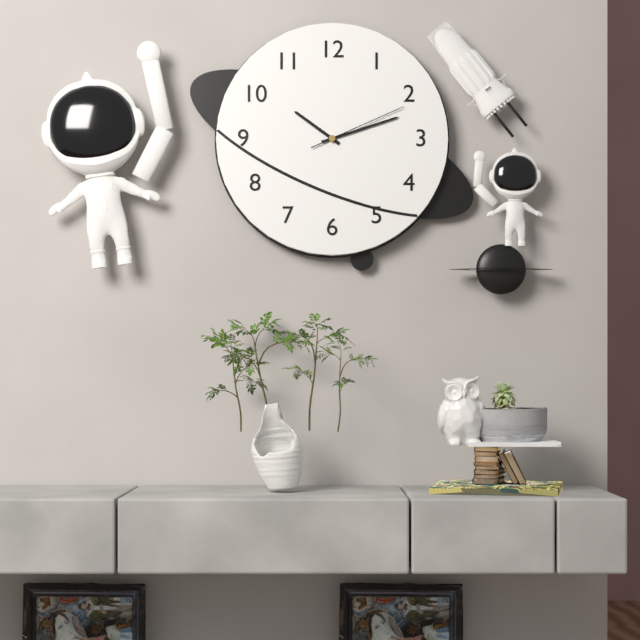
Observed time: **10:12:11**
